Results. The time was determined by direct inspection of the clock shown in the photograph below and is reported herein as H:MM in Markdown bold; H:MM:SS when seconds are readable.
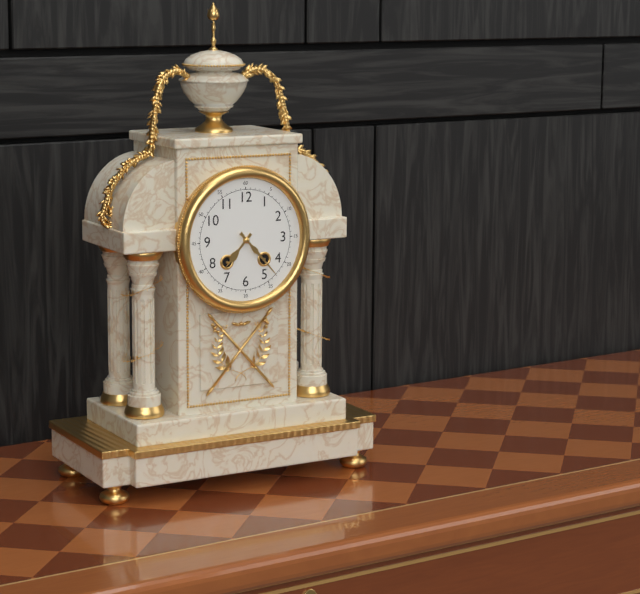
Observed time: **7:23**
